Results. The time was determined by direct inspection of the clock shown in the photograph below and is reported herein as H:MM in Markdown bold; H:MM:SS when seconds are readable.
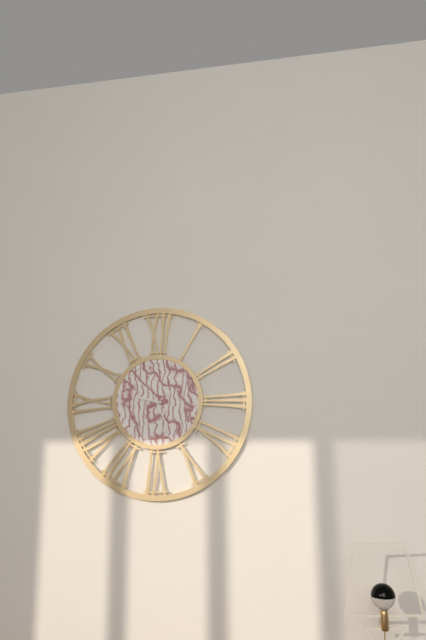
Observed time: **9:26**
